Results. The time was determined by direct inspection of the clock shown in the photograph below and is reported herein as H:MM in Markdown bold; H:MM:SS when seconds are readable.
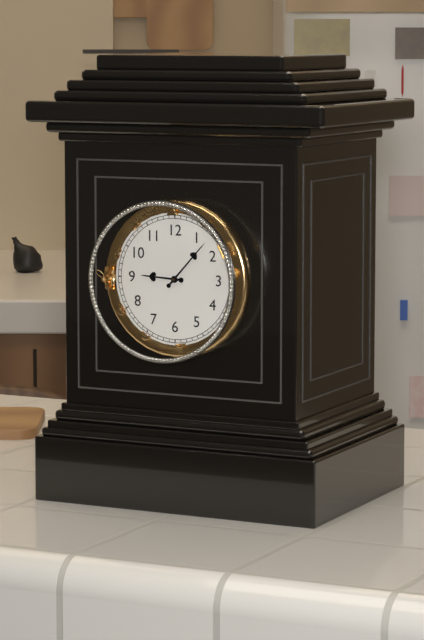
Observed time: **9:07**
